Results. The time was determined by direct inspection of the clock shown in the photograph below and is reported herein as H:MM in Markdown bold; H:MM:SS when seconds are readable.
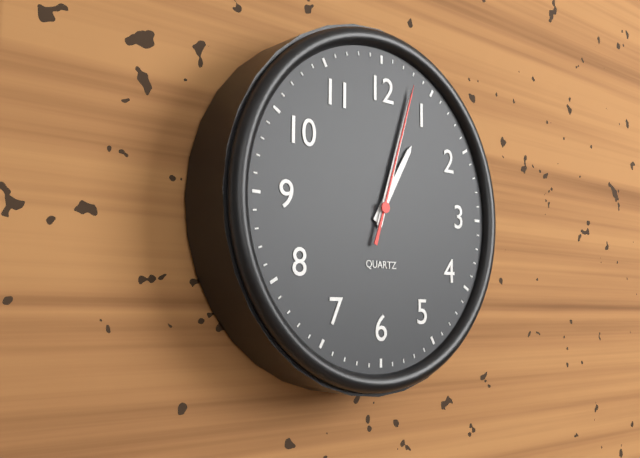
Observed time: **1:03:03**
